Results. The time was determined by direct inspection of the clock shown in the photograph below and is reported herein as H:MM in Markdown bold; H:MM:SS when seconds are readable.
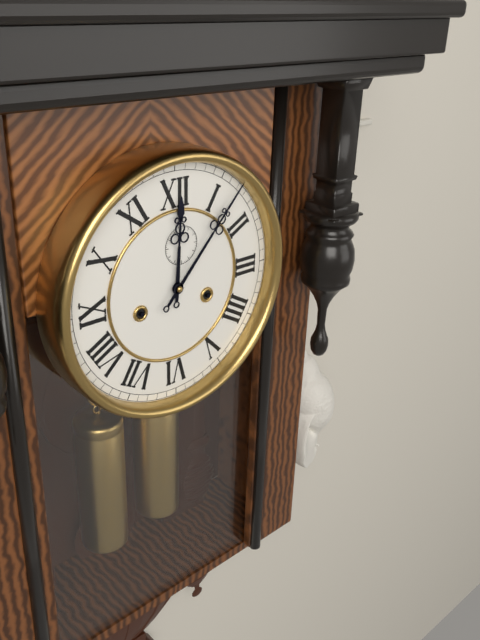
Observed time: **12:07**
